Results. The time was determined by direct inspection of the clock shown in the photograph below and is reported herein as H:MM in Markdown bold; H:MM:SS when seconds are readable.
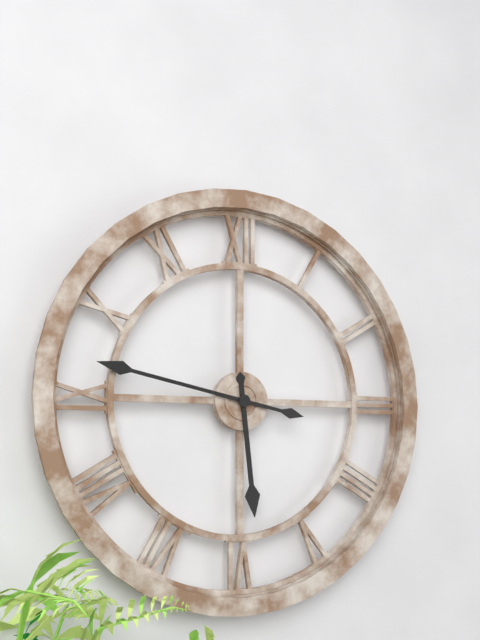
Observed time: **5:47**
